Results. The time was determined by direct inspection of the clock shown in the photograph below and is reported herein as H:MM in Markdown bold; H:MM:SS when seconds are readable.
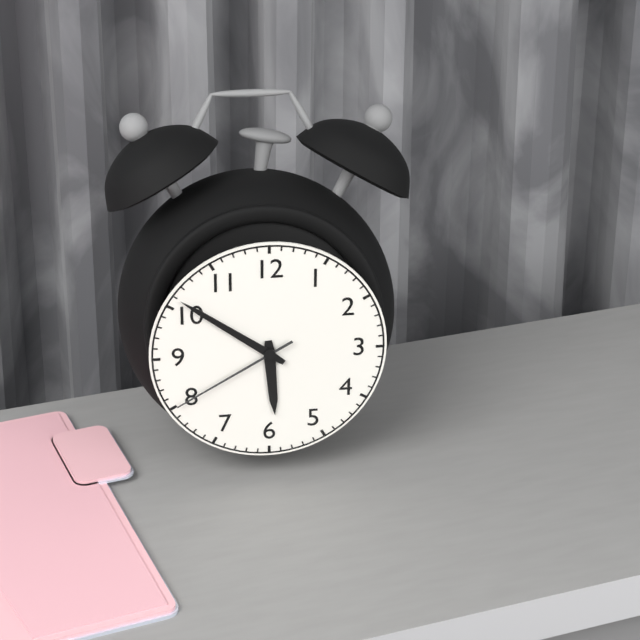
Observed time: **5:51:40**
